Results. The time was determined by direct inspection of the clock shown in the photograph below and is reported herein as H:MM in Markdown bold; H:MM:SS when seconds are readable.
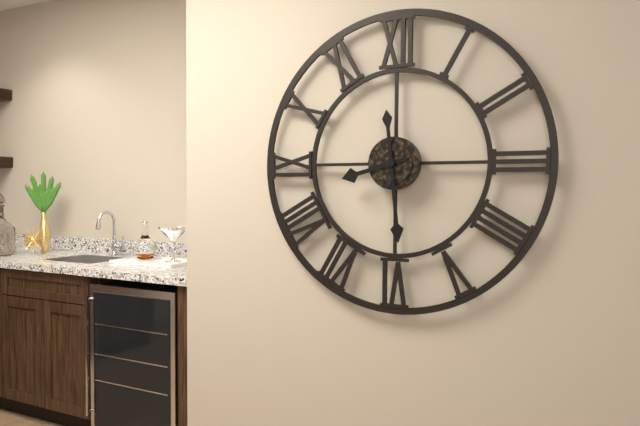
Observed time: **8:29**
